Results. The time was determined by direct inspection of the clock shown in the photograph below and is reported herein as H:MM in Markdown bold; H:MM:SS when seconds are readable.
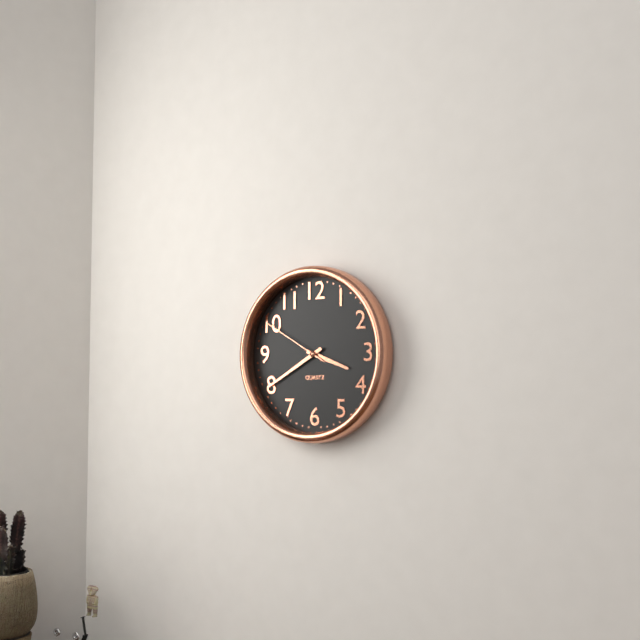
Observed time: **3:40:50**
